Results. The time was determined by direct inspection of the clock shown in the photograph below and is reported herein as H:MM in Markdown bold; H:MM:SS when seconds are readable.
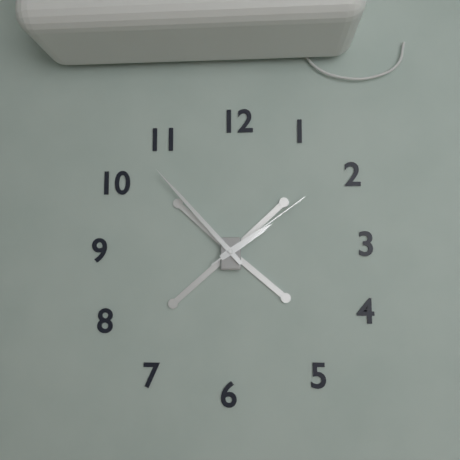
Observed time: **1:53:09**
